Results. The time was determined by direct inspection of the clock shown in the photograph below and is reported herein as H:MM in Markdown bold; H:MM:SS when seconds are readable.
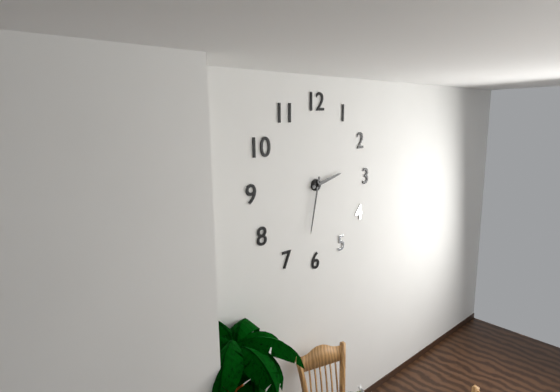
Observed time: **2:32**
